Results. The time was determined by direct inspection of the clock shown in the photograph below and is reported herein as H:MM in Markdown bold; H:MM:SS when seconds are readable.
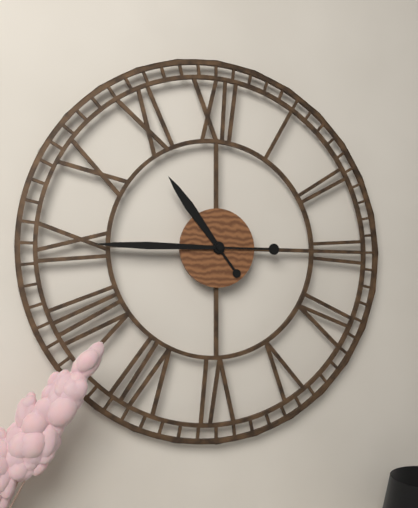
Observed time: **10:45**
